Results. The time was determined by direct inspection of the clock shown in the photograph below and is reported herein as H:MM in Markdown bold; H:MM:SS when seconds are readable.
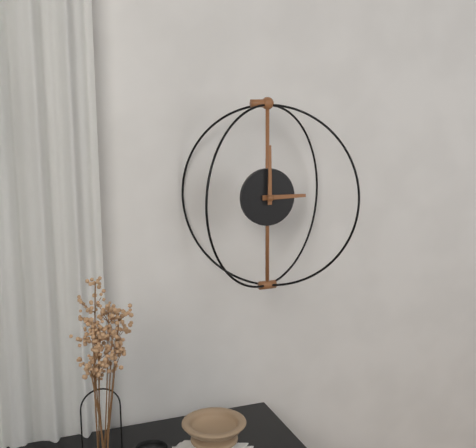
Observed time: **3:00**
